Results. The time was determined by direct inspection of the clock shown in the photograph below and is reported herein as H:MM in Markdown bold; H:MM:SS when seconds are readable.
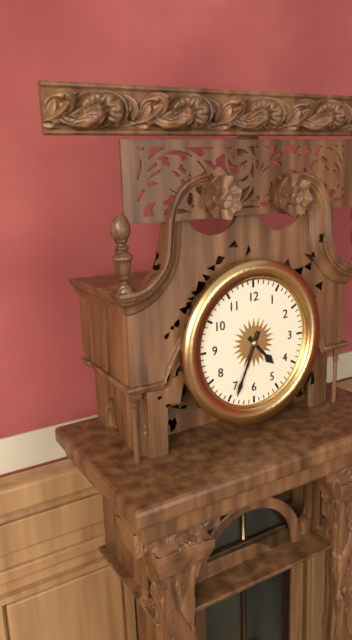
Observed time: **4:34**
